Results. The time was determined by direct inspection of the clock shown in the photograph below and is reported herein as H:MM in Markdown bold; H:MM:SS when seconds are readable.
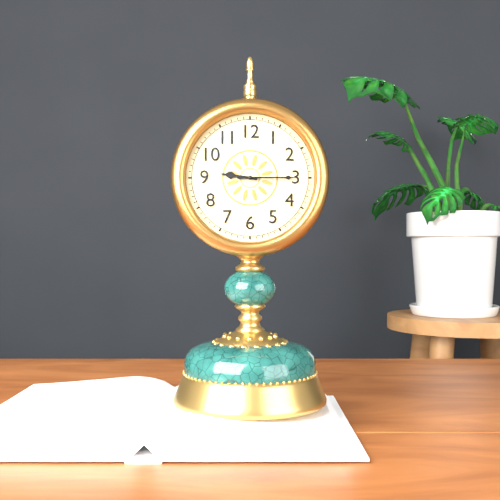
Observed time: **9:15**
